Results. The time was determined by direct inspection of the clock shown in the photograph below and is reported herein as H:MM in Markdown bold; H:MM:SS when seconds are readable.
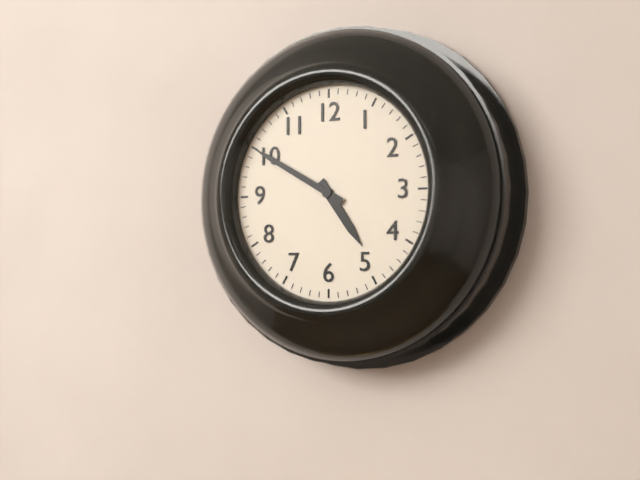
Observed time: **4:50**
